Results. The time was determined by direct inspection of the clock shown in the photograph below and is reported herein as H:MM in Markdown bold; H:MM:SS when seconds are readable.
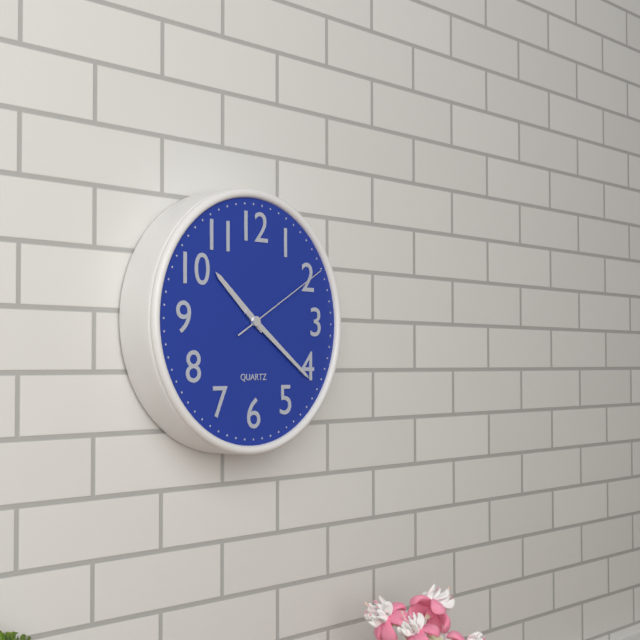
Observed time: **10:21:10**
